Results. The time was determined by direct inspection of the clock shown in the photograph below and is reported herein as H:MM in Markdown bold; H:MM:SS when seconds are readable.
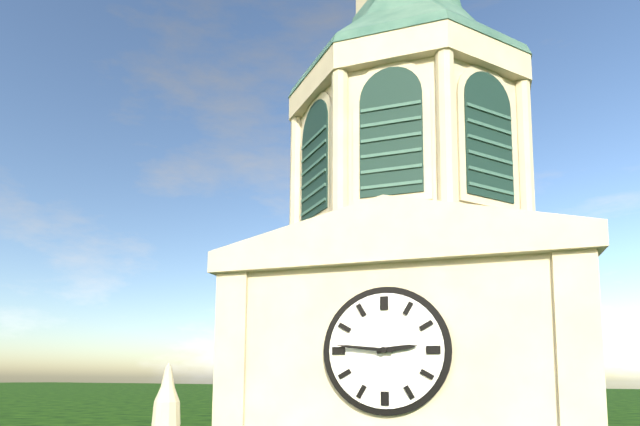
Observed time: **2:46**
